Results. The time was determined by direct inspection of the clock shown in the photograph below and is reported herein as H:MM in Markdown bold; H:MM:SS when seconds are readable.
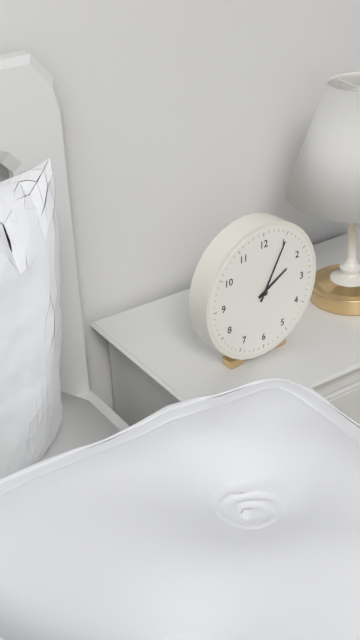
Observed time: **2:05**
